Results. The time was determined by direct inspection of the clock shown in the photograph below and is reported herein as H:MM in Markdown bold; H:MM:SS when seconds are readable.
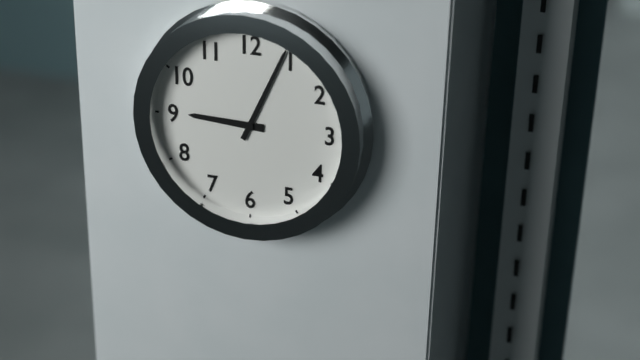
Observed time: **9:04**
